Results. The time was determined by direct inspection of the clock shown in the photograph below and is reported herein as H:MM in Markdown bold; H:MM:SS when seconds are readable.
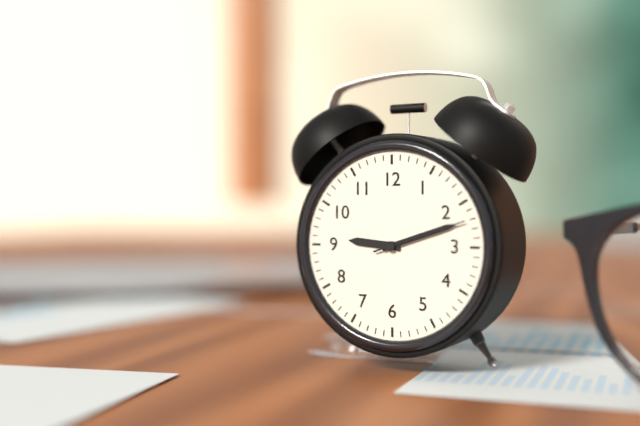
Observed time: **9:12:12**
